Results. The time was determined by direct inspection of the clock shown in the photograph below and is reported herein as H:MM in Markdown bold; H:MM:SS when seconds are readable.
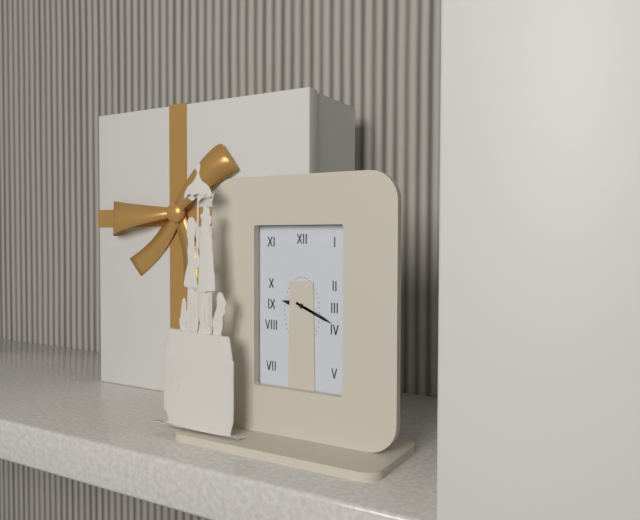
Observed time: **9:19**
